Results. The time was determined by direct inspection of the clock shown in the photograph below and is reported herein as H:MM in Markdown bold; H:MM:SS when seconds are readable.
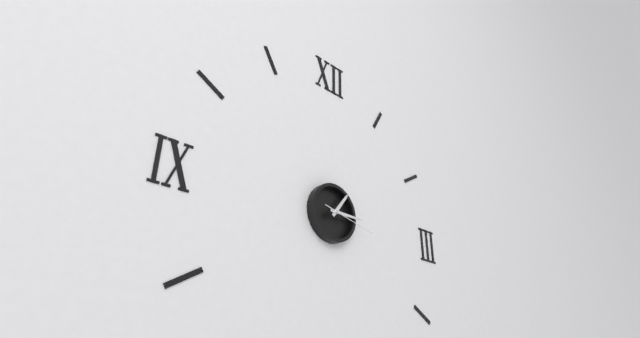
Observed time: **1:15:17**
